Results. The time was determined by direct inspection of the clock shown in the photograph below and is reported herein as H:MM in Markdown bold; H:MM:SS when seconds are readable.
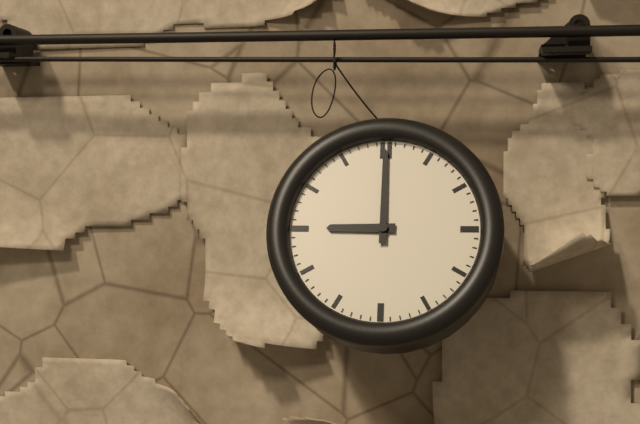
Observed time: **9:00**
